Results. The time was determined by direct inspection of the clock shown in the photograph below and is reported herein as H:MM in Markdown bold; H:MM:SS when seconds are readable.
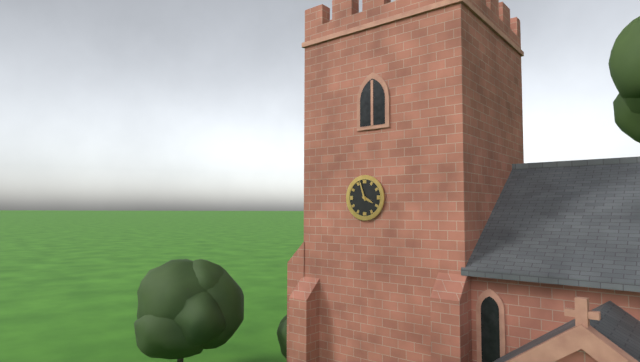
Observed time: **3:57**
